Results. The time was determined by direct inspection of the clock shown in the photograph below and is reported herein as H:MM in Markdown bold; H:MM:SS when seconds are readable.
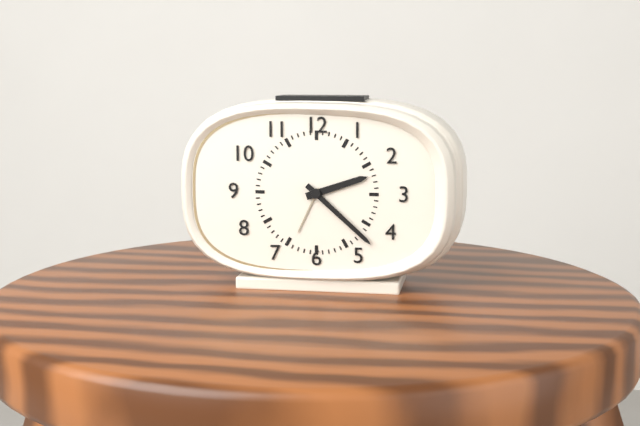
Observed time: **2:22**
